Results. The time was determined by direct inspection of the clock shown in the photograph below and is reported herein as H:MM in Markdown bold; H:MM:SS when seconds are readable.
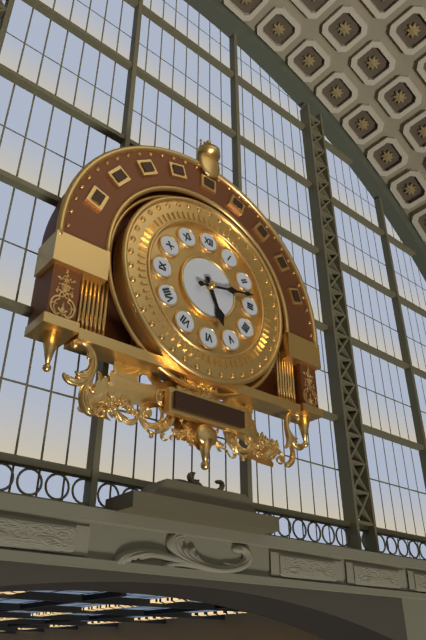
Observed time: **5:13**
